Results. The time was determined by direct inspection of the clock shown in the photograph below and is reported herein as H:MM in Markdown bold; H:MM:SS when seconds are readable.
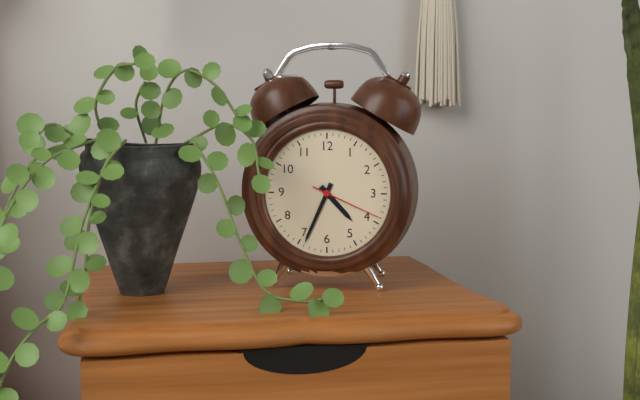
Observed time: **4:34:19**
